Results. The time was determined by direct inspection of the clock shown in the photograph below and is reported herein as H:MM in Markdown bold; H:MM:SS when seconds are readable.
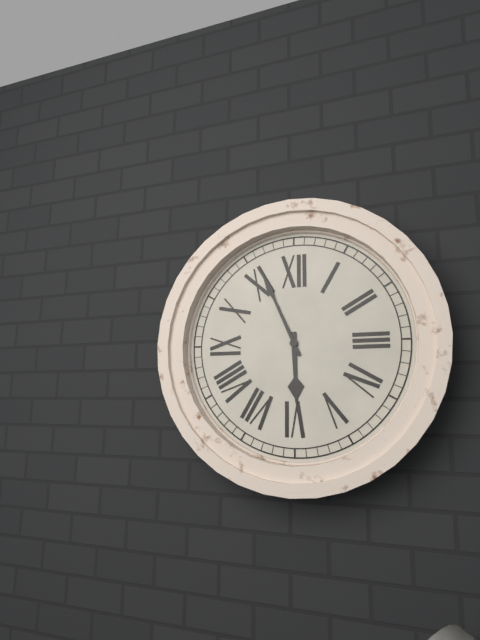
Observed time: **5:56**
